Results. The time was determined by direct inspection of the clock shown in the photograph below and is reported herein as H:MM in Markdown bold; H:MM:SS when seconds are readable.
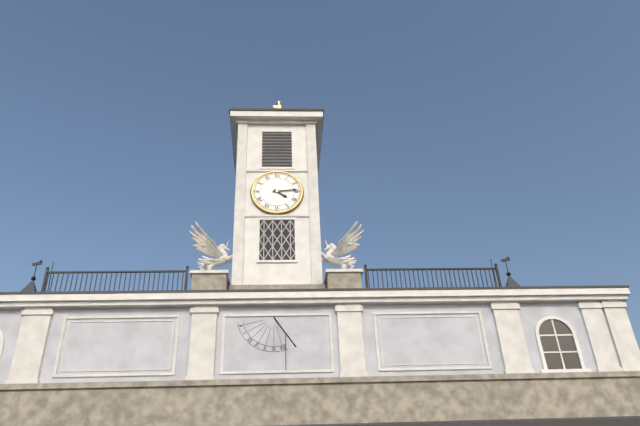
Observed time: **4:14**
